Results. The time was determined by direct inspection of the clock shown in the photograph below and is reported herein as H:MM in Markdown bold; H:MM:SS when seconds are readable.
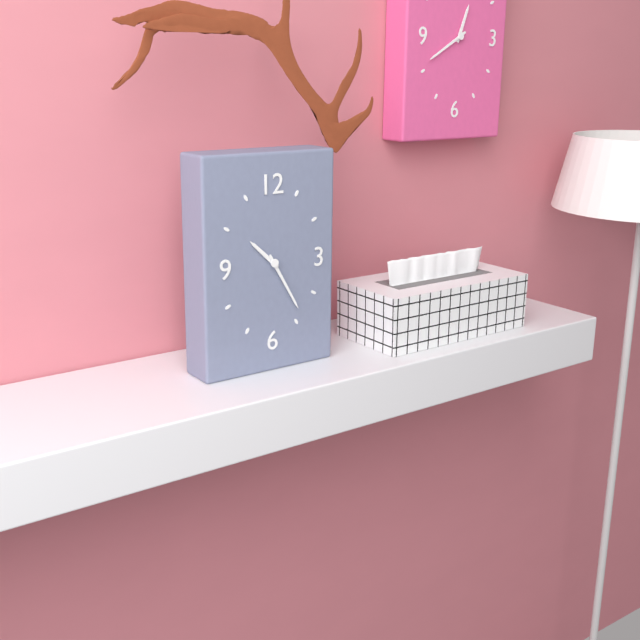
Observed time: **10:25**
